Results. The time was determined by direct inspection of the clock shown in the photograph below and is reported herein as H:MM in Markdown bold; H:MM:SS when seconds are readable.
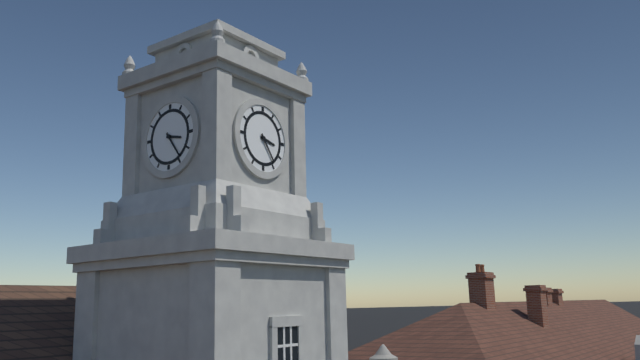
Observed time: **3:24**
